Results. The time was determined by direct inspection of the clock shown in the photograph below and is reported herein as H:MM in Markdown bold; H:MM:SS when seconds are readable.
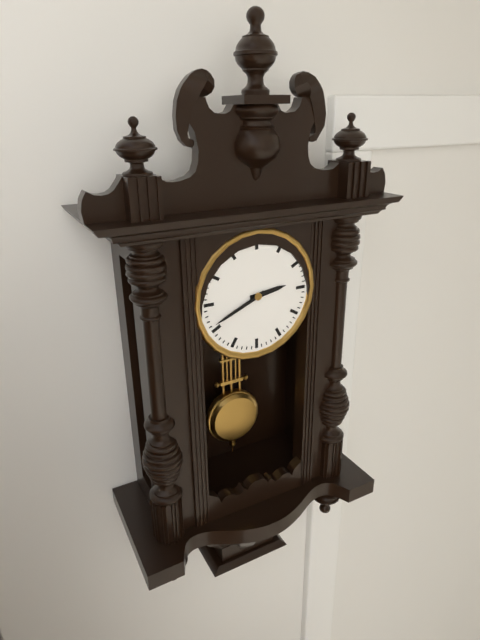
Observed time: **2:41**
